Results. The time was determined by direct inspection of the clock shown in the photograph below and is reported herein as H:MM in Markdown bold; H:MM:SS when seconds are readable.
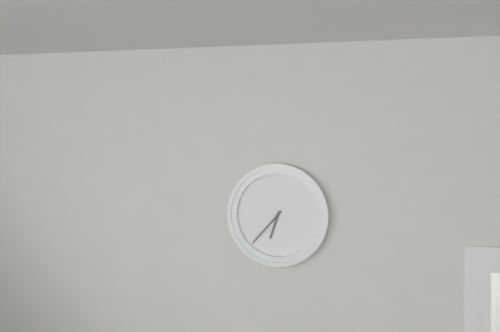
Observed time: **6:37**
